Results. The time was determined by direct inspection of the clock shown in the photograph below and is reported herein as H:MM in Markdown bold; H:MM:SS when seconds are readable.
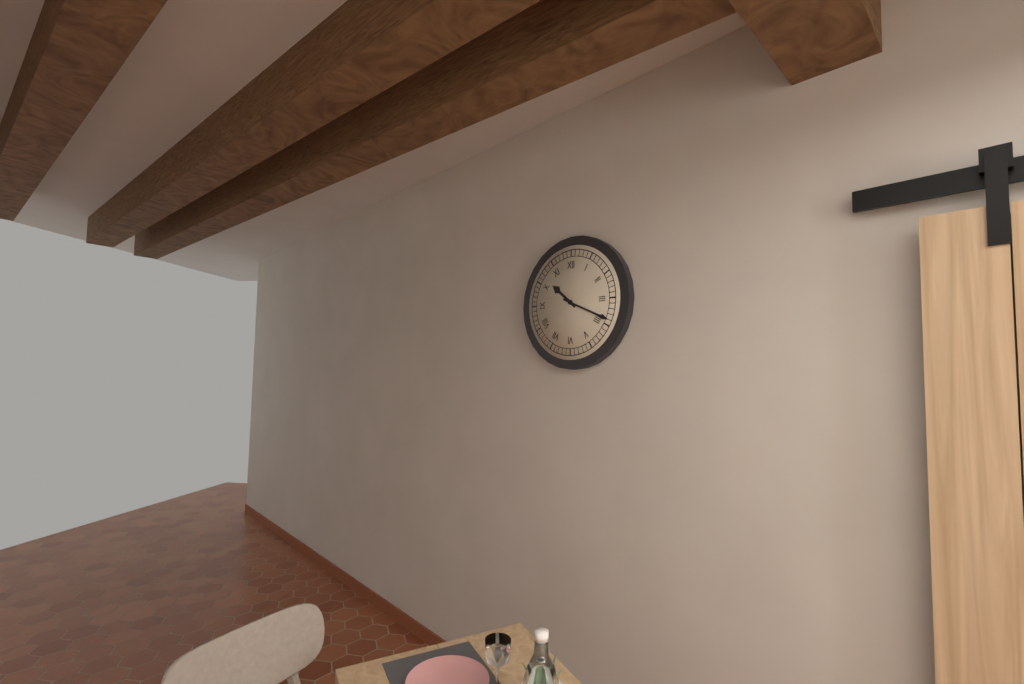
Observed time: **10:19**
